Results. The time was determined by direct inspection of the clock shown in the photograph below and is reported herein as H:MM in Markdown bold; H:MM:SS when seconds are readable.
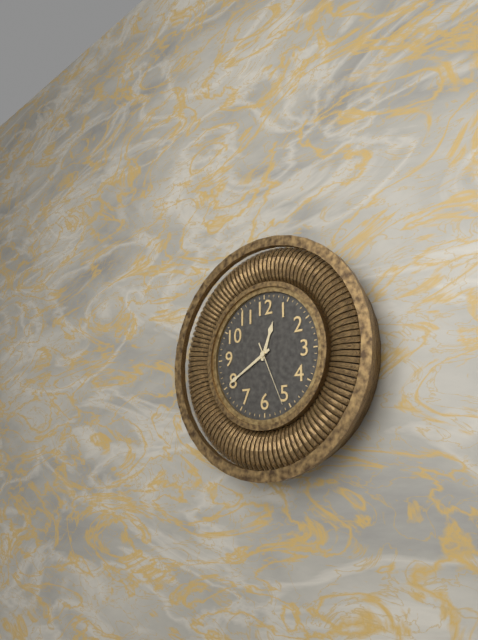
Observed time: **12:40:26**
